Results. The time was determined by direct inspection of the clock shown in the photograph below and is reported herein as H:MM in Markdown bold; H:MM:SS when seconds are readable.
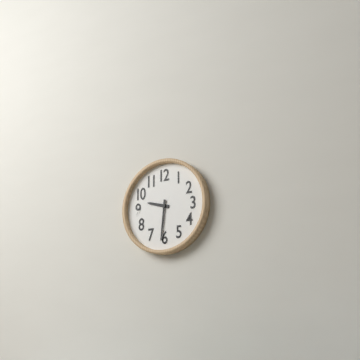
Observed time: **9:31**
